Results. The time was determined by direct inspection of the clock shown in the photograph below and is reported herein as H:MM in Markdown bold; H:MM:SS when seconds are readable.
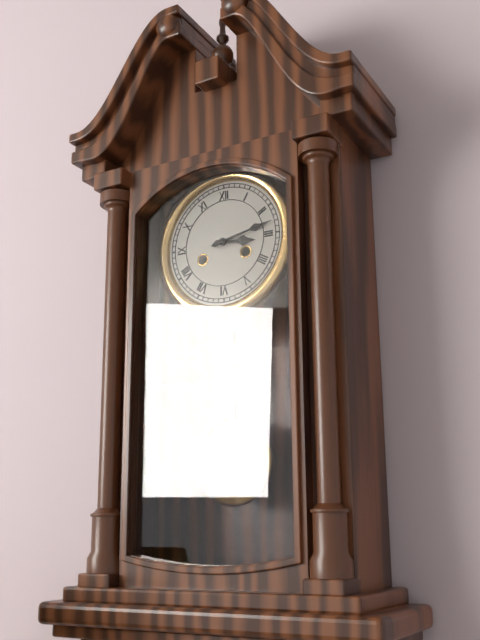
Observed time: **3:13**
